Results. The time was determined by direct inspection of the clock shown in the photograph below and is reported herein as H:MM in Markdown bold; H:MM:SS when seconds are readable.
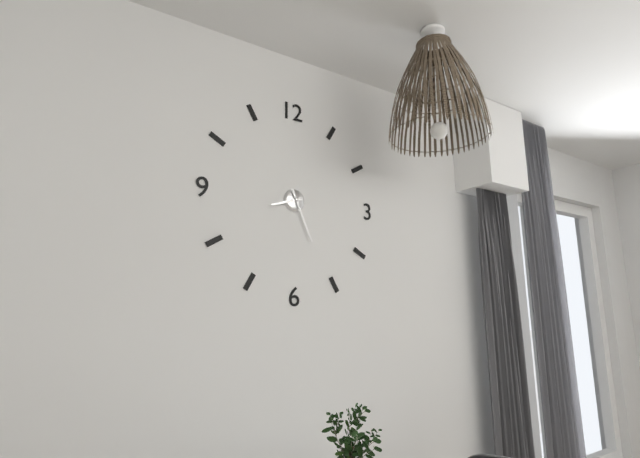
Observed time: **8:26**
